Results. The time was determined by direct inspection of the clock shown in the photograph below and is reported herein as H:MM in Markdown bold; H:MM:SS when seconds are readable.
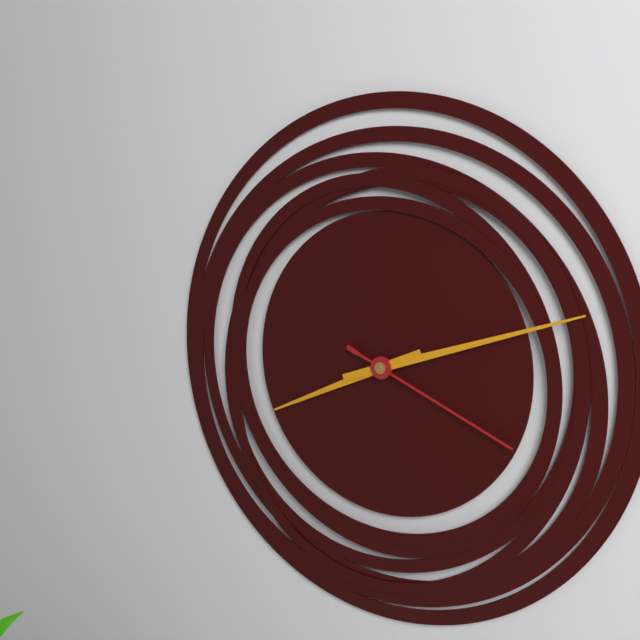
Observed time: **8:12:19**
